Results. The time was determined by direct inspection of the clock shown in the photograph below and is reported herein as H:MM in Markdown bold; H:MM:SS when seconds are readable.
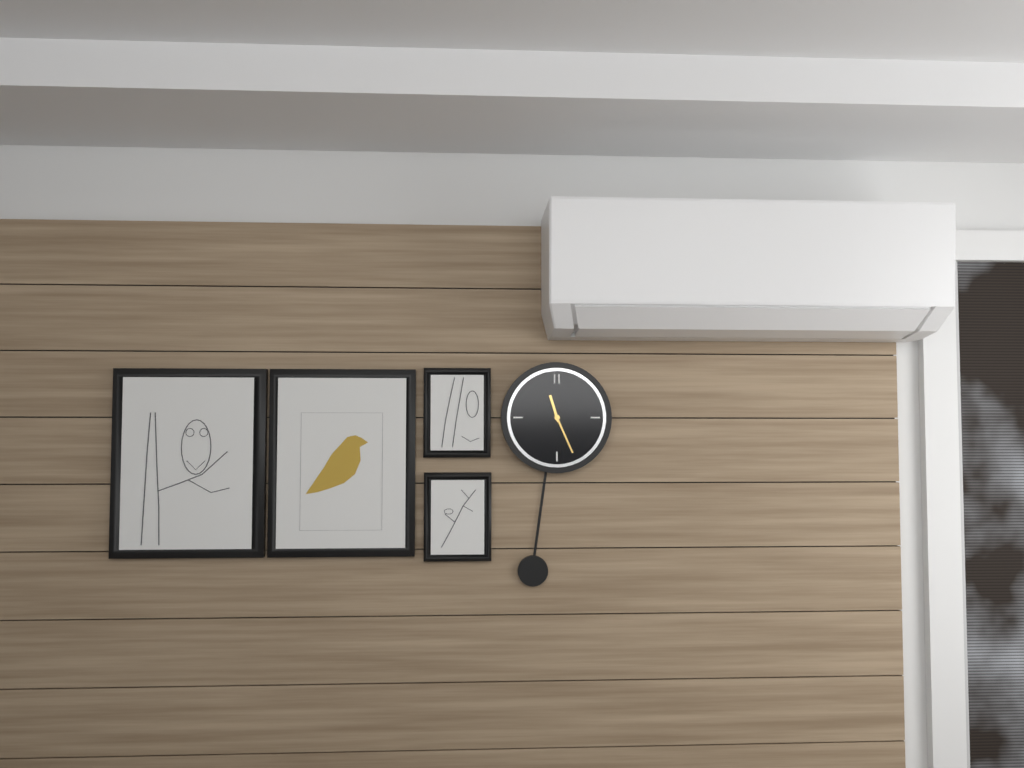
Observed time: **11:26**
